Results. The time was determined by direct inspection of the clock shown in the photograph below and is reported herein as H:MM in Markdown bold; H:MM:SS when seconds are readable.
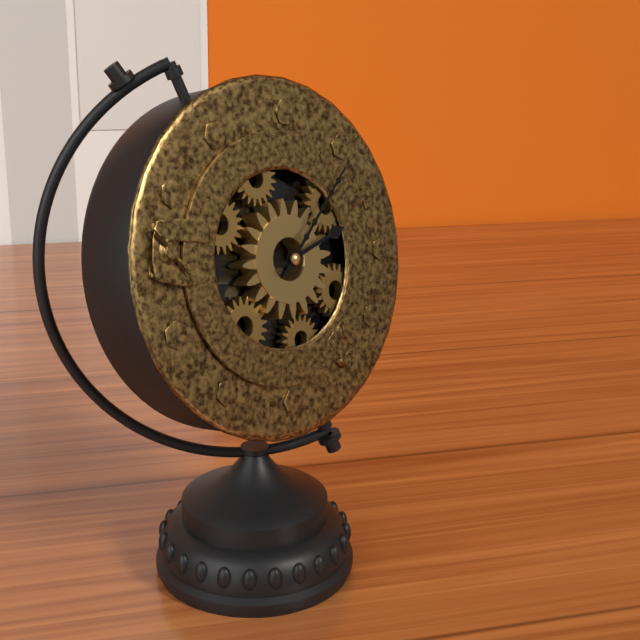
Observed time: **2:06**
